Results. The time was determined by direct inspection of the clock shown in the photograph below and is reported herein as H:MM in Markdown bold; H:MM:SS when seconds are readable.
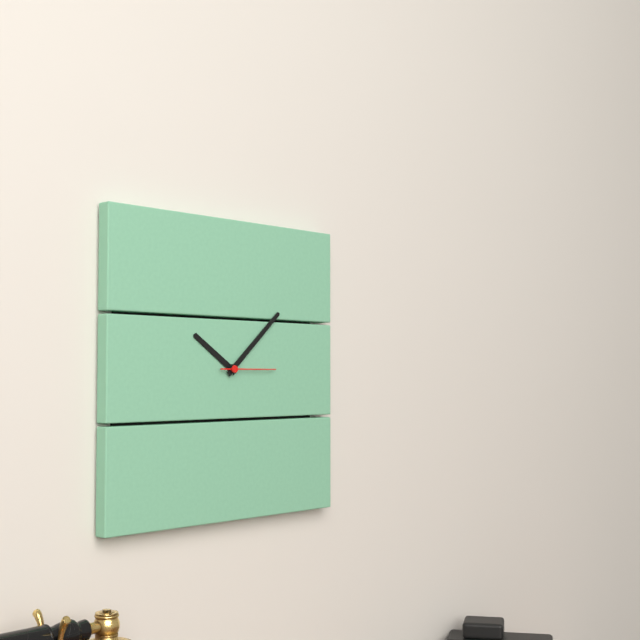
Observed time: **10:08:15**
